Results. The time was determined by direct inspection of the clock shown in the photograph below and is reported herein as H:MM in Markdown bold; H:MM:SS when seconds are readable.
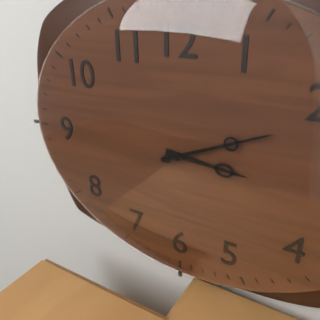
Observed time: **3:11**
